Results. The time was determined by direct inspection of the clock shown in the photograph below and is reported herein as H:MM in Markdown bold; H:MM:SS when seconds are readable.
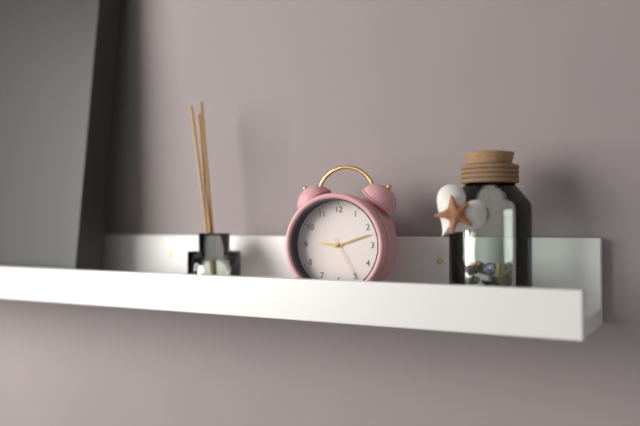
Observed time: **9:12**
